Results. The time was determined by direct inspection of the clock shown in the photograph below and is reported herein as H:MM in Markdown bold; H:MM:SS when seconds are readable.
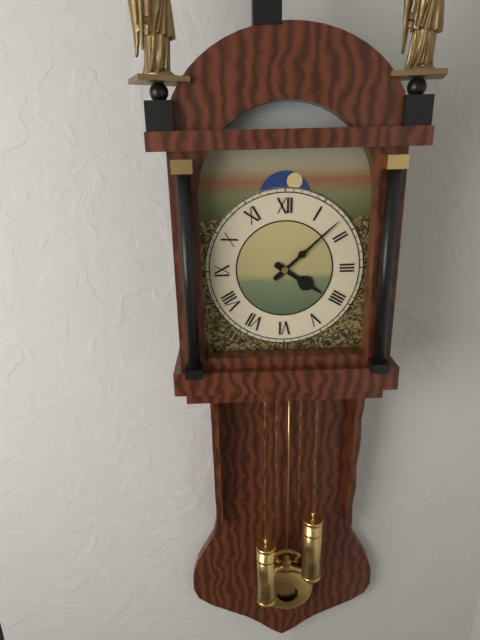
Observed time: **4:08**
